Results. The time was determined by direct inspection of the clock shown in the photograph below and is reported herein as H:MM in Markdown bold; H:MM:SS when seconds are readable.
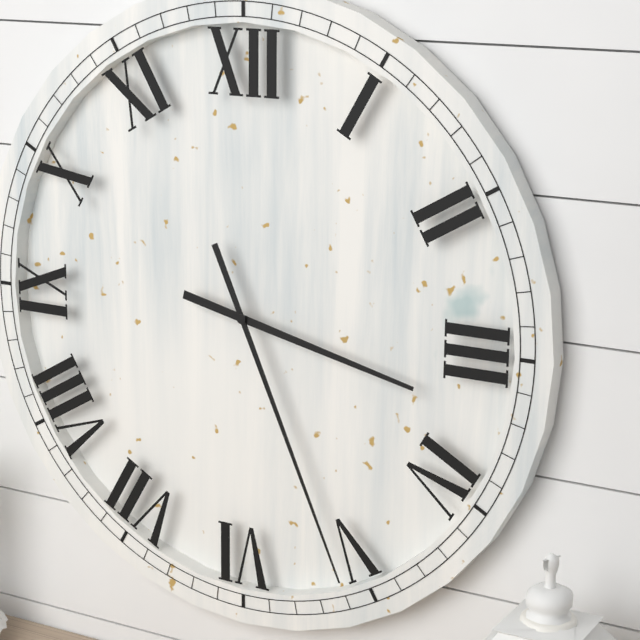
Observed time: **3:26**
